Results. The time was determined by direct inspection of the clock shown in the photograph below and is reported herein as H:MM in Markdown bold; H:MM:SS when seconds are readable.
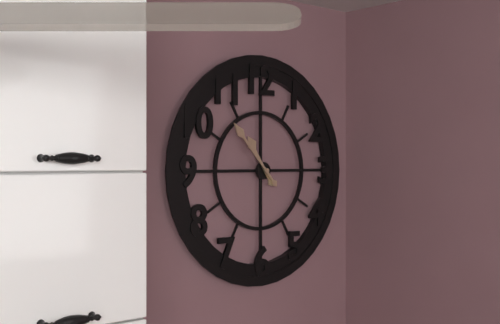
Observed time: **10:53**
